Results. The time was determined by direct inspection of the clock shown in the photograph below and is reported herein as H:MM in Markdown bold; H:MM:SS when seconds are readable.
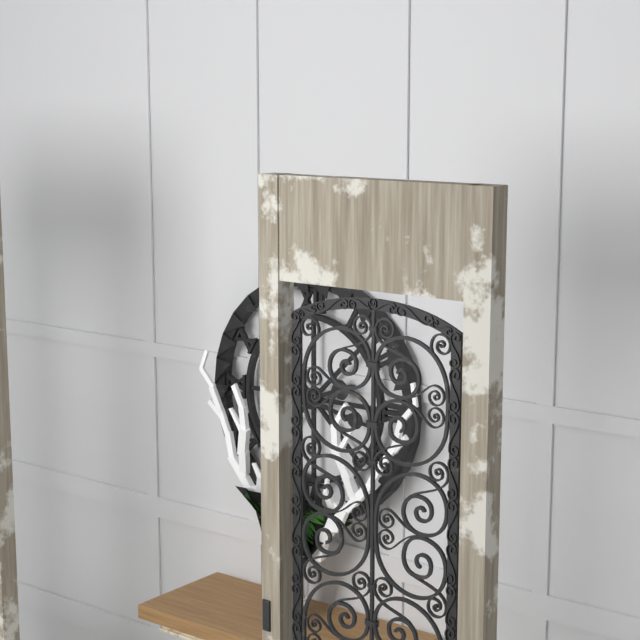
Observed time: **2:17**
